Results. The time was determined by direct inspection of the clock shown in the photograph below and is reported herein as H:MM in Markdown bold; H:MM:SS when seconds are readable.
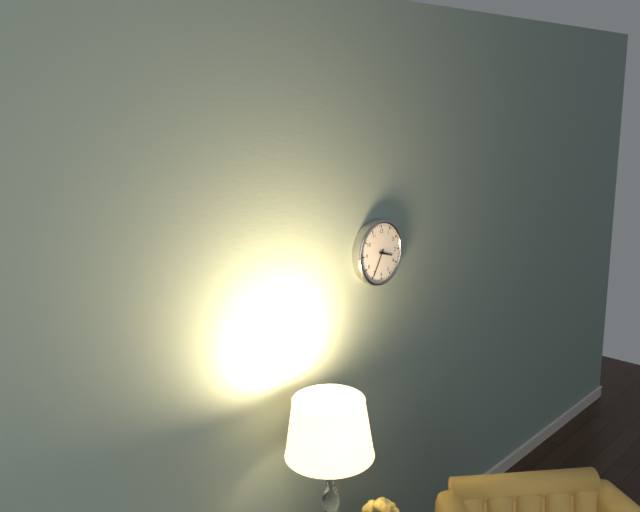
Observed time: **3:35**
